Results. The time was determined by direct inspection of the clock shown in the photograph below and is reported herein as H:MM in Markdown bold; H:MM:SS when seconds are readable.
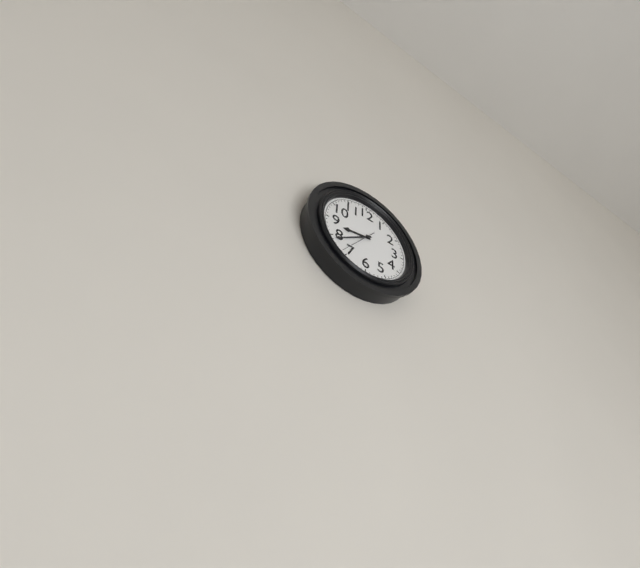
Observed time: **8:39**
